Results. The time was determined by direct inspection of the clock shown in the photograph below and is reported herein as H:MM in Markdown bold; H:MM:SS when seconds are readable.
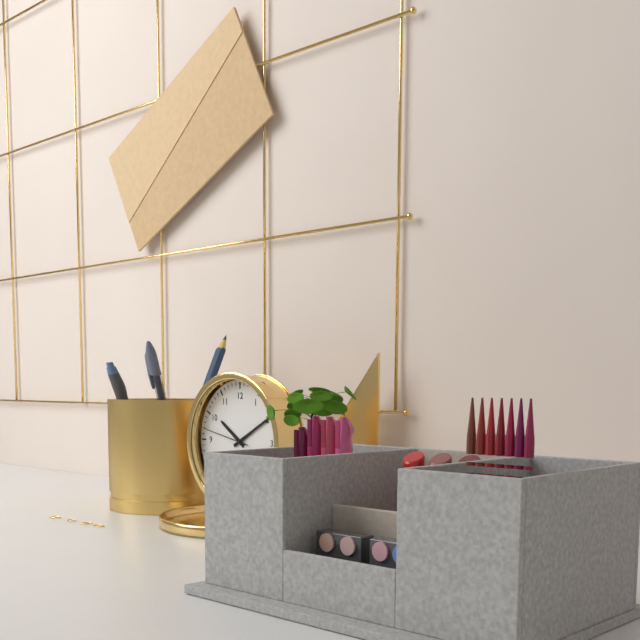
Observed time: **10:10**
